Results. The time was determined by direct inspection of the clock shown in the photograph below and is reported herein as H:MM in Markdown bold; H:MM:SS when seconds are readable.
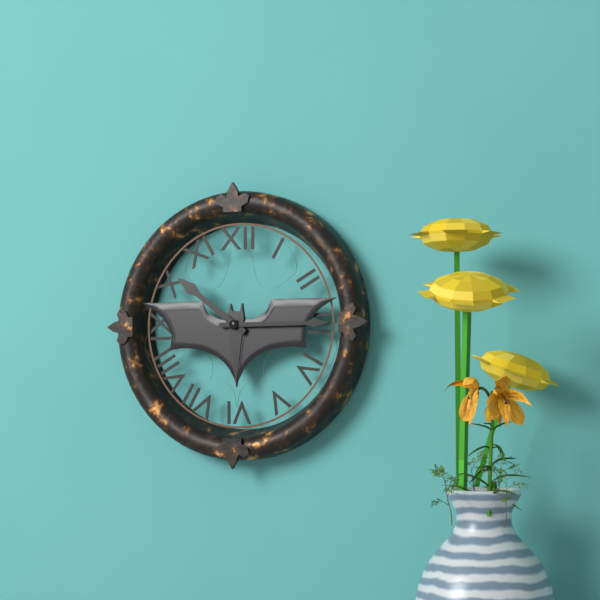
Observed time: **10:15**
